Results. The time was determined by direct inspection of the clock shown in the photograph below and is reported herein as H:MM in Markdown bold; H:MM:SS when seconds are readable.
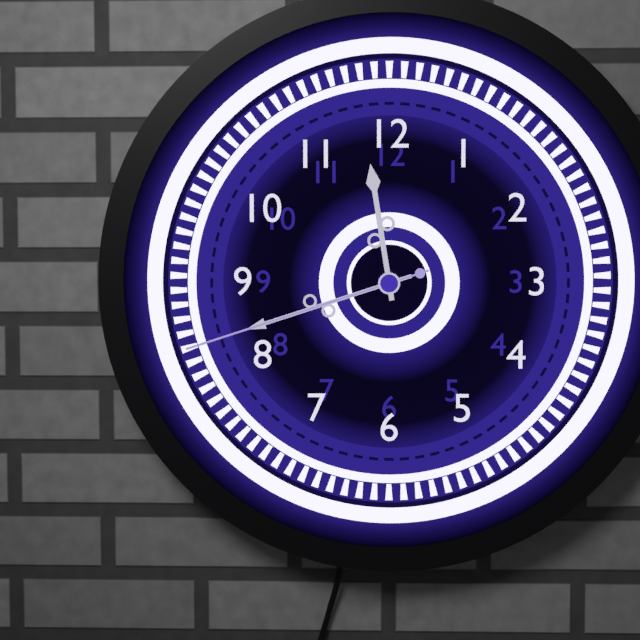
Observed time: **11:42:42**
